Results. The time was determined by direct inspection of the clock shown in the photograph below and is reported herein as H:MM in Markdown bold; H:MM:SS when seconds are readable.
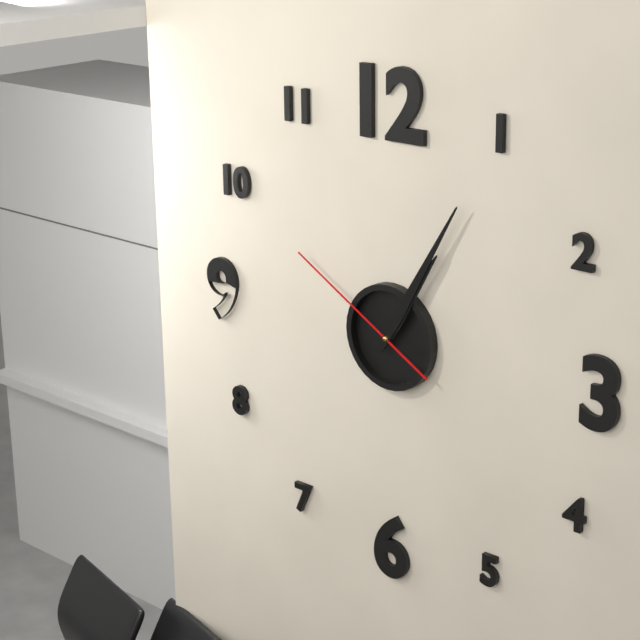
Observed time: **1:05:50**
